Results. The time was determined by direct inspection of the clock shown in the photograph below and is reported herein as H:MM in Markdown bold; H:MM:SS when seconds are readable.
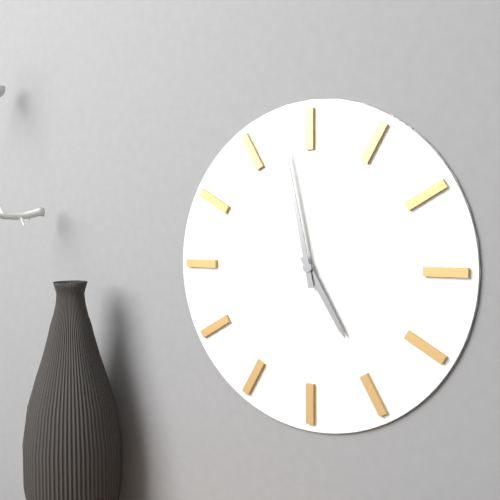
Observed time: **4:58**
